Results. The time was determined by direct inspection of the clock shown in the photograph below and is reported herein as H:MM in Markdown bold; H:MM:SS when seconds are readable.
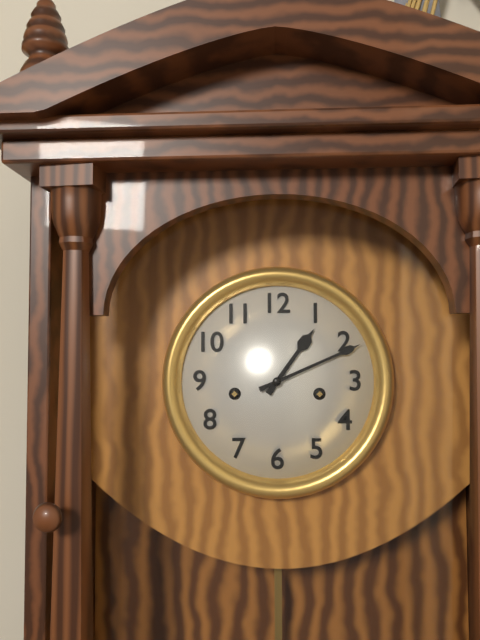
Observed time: **1:11**
